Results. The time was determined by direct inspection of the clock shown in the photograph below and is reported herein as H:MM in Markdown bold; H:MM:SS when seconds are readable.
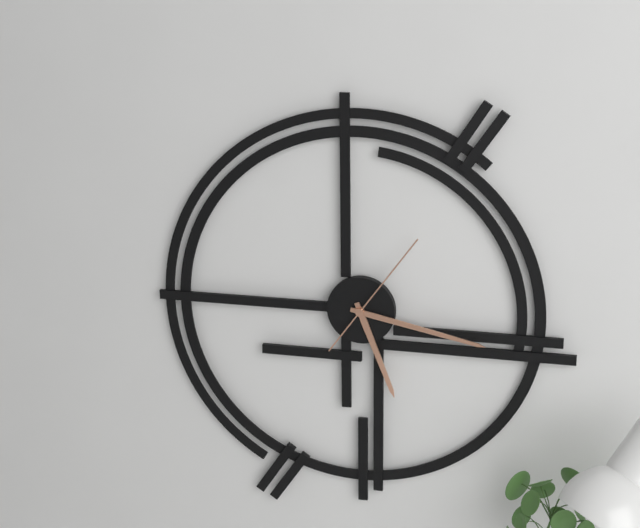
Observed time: **5:17:06**
